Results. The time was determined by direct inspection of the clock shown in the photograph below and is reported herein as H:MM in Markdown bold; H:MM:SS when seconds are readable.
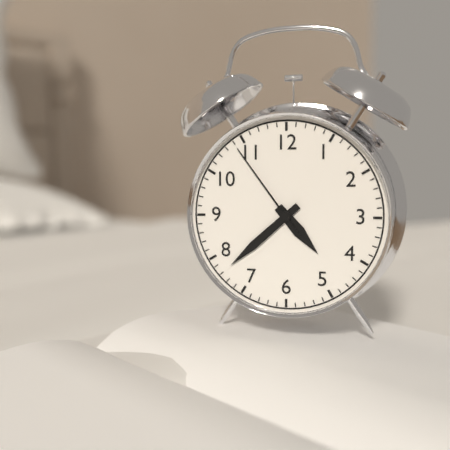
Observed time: **4:38:54**
